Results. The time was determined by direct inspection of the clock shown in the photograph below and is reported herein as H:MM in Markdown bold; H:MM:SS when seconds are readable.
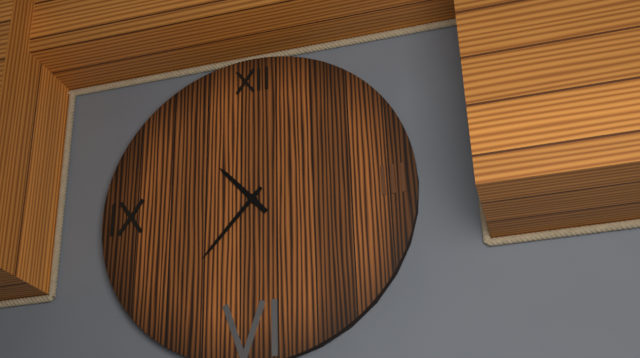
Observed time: **10:37**
